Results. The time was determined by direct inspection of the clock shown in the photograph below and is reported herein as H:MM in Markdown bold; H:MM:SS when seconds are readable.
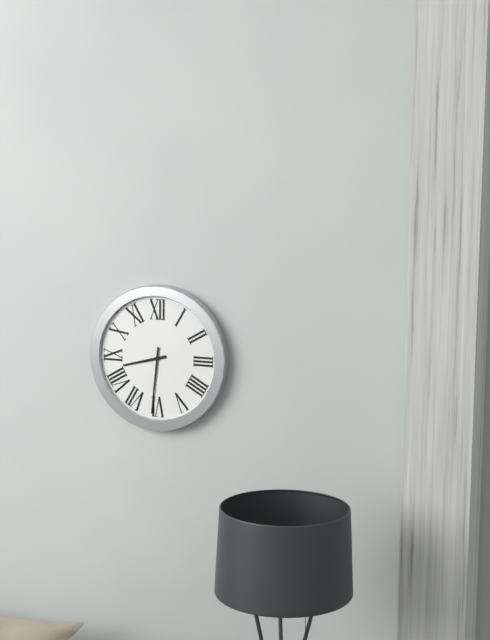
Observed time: **8:31**
